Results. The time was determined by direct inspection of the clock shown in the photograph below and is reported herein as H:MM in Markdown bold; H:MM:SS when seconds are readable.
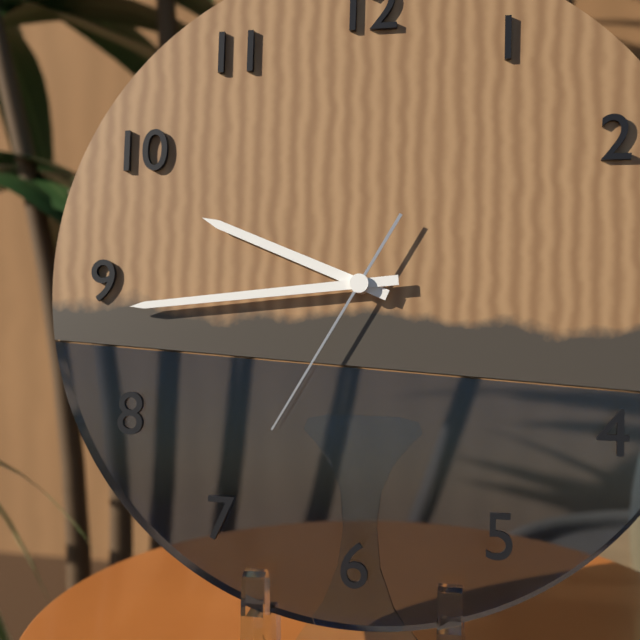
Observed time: **9:44:35**
